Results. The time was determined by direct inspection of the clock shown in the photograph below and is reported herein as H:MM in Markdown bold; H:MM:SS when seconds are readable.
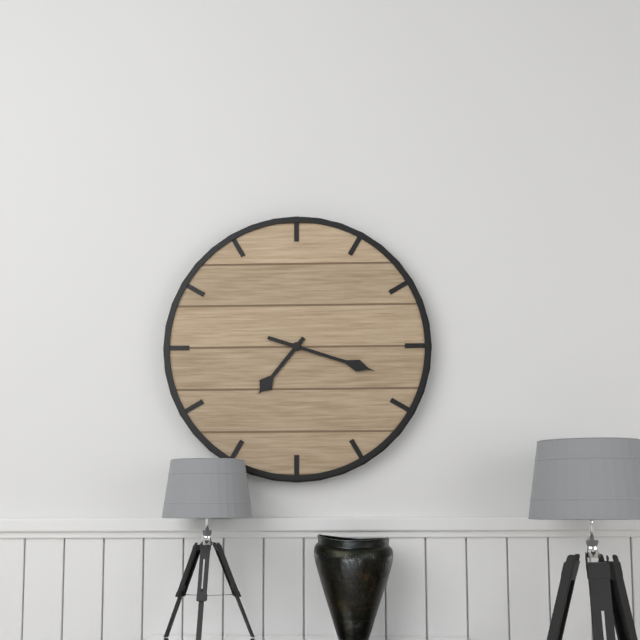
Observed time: **7:18**
